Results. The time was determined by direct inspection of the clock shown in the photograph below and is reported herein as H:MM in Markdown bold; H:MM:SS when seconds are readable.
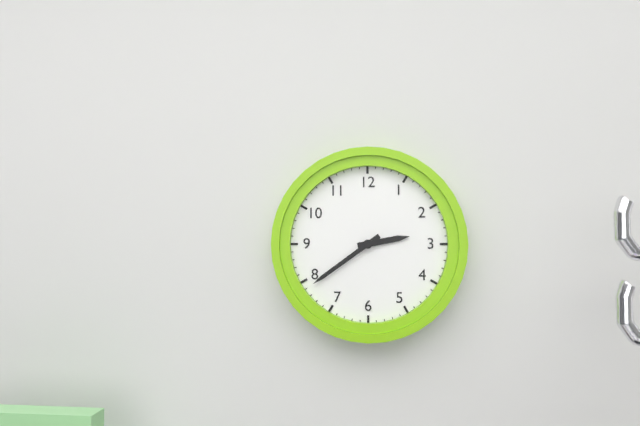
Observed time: **2:39**
